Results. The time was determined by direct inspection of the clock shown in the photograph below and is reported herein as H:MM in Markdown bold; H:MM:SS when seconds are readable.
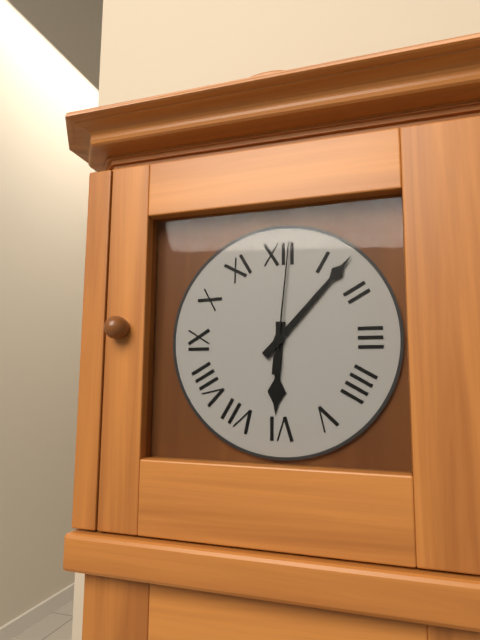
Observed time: **6:07:01**
